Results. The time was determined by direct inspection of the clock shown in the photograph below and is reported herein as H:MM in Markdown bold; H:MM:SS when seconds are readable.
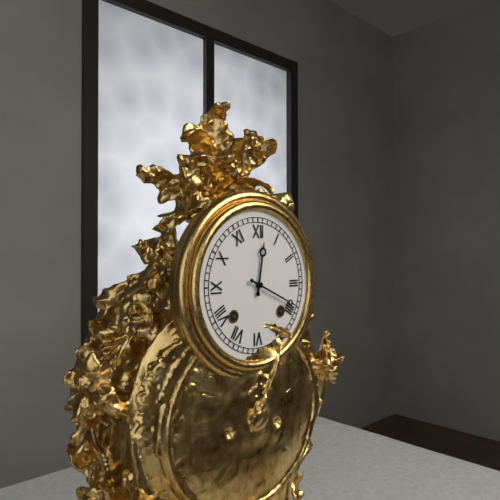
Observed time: **12:19**
